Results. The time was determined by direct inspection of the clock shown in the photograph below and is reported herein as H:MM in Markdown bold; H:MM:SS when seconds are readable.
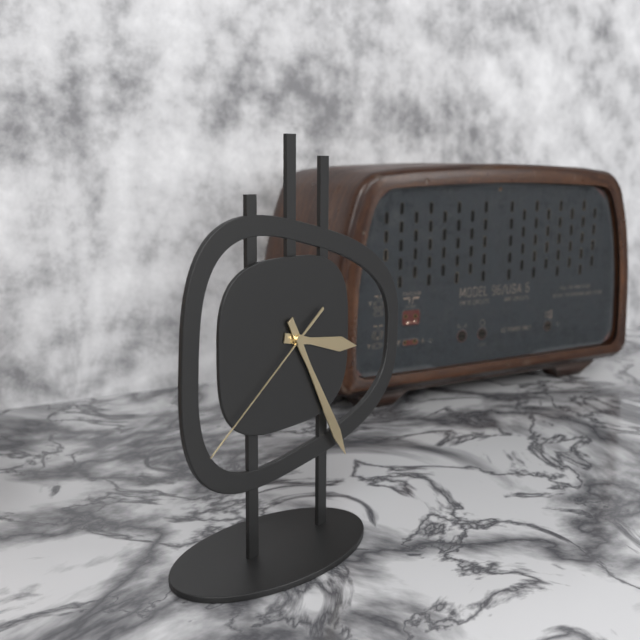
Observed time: **3:25:39**
